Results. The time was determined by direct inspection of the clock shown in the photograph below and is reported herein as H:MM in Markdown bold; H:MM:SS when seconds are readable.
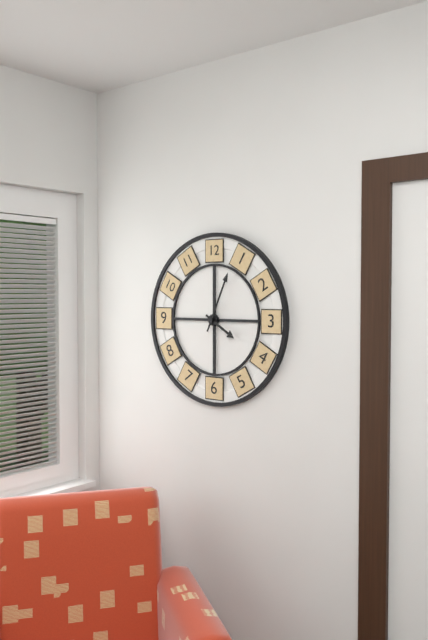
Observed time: **4:04**
